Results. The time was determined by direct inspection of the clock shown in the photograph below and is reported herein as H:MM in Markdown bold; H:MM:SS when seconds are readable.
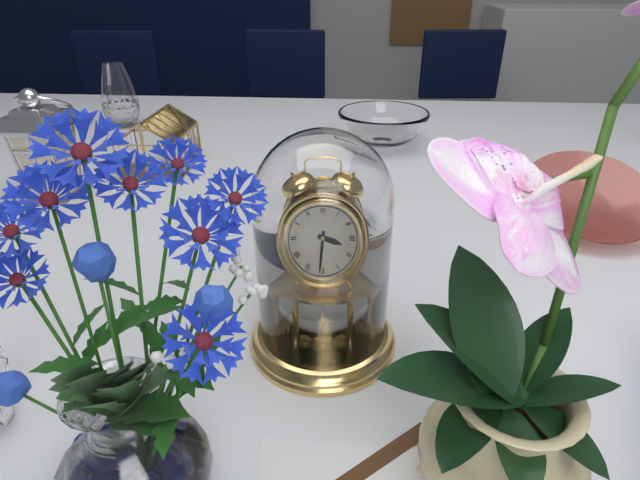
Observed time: **3:31**
